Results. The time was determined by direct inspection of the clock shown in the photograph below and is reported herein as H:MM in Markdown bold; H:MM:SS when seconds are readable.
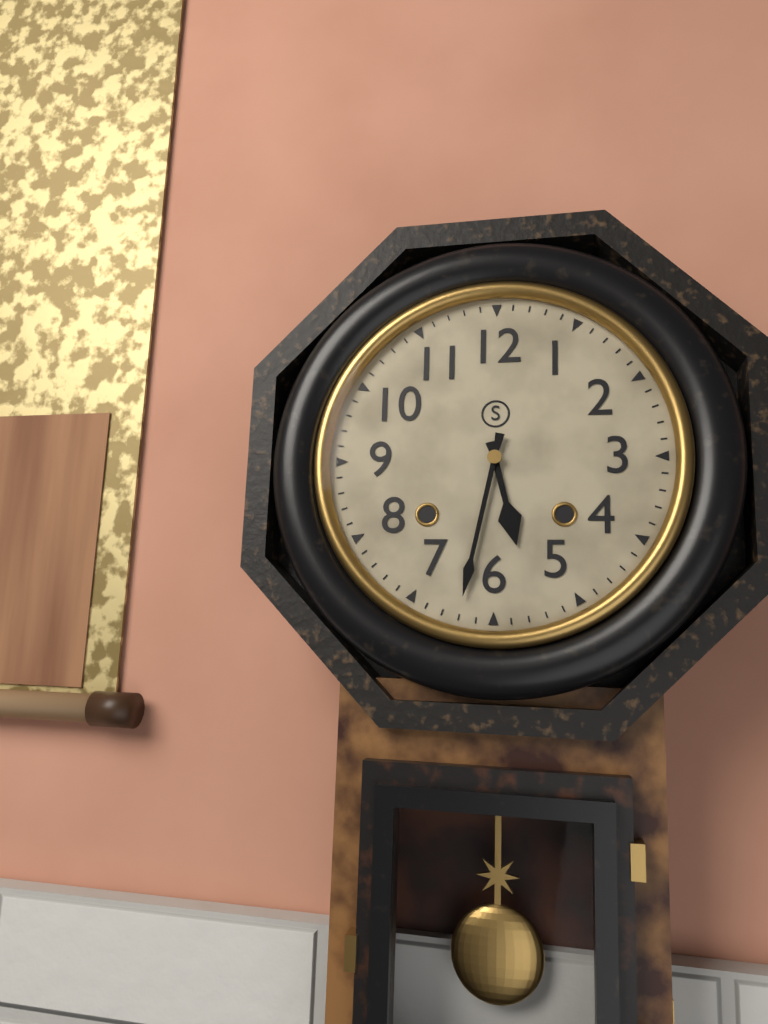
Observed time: **5:32**
